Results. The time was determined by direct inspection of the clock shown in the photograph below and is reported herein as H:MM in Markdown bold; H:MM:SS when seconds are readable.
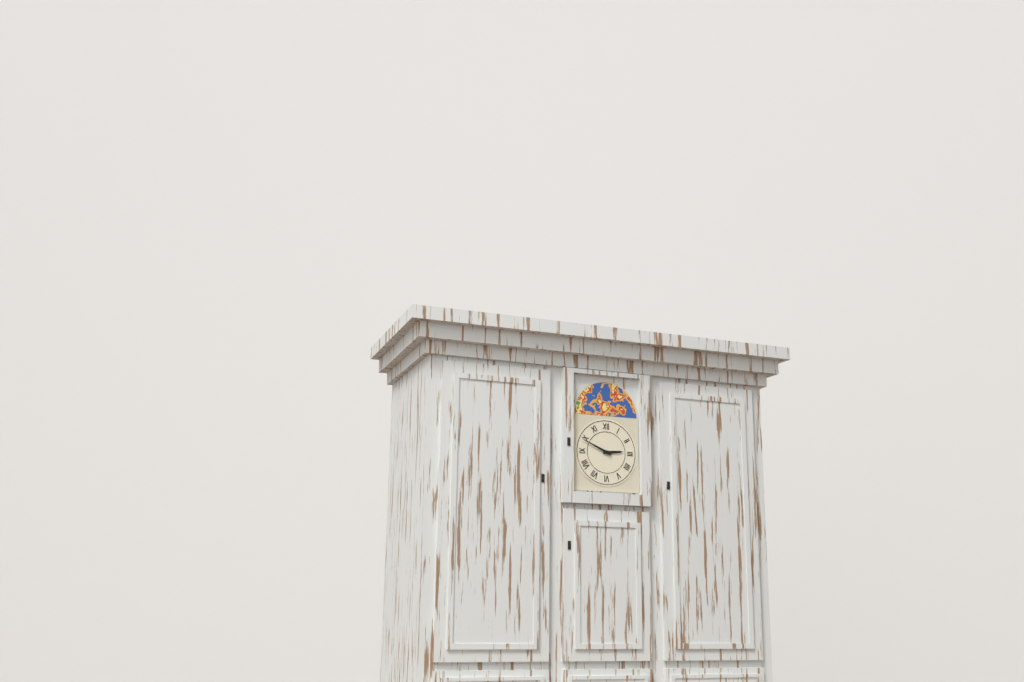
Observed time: **2:49**
